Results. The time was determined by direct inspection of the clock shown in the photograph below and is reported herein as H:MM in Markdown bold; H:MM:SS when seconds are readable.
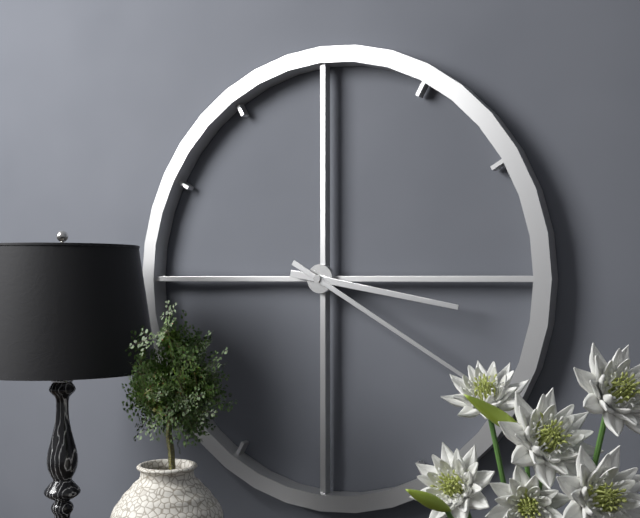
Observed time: **3:20**
